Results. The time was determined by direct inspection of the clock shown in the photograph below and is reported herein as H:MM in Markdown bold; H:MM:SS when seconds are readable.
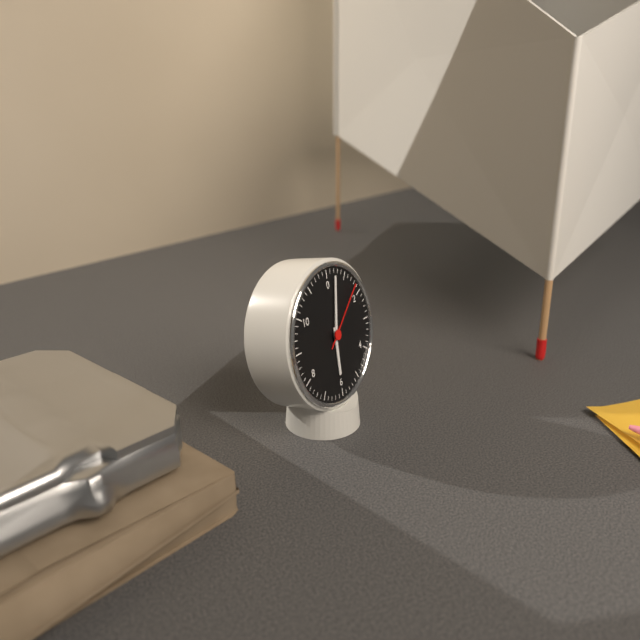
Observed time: **6:02:08**
